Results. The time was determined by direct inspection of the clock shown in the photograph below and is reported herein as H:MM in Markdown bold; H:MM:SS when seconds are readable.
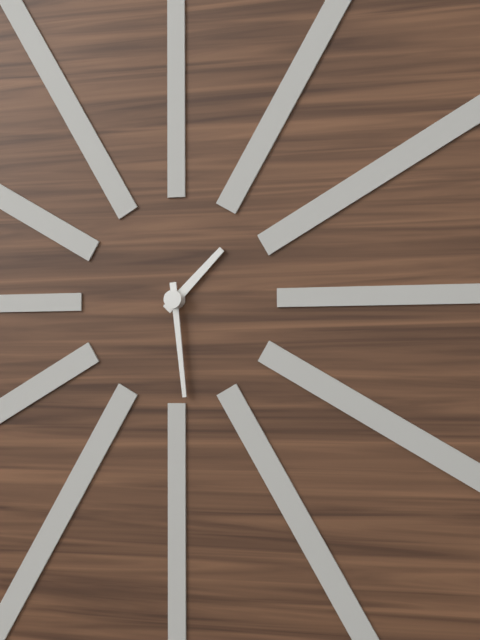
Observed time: **1:29**
